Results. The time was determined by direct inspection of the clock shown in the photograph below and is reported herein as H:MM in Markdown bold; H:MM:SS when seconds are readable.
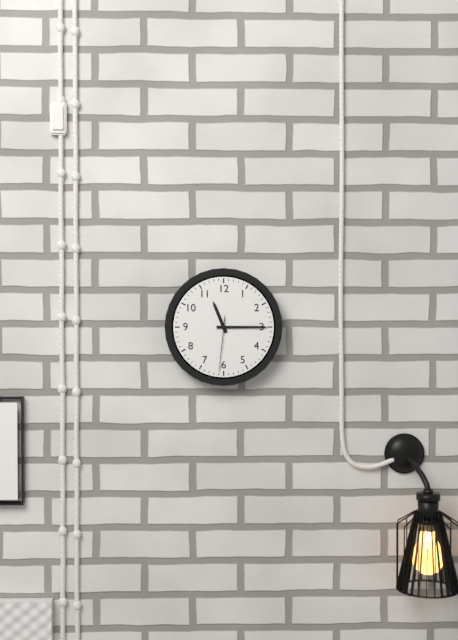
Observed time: **11:15:31**
